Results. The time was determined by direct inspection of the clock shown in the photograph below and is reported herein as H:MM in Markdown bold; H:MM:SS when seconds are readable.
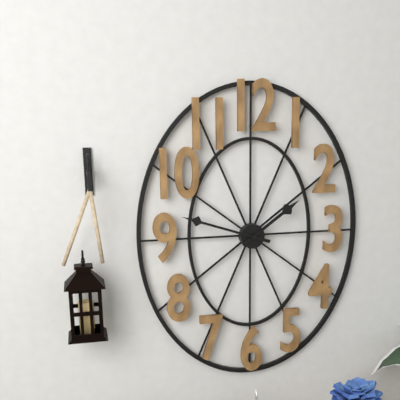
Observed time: **1:48**
